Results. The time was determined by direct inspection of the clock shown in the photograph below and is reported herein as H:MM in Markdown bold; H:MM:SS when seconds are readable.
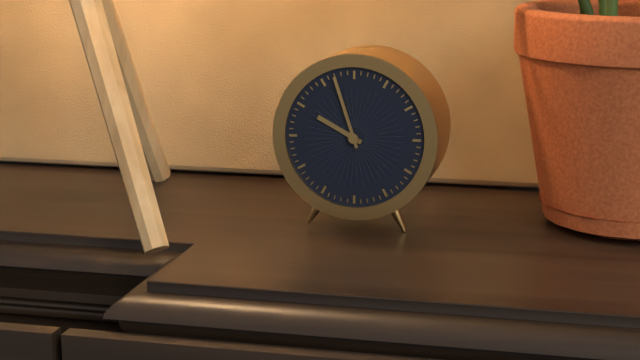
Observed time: **9:57**
